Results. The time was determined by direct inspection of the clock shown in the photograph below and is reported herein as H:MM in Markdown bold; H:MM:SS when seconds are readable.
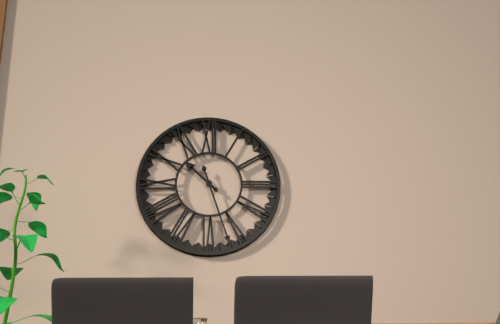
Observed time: **10:27**
